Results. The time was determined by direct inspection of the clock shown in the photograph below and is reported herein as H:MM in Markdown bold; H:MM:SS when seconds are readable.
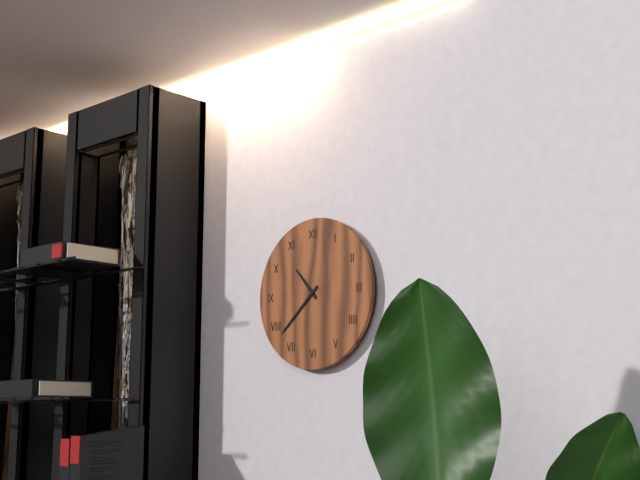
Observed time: **10:38**
